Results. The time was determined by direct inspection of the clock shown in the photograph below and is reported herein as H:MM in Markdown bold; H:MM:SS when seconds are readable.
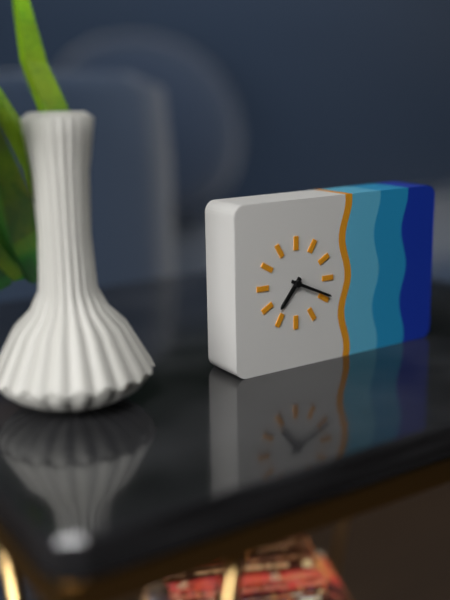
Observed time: **7:19**
